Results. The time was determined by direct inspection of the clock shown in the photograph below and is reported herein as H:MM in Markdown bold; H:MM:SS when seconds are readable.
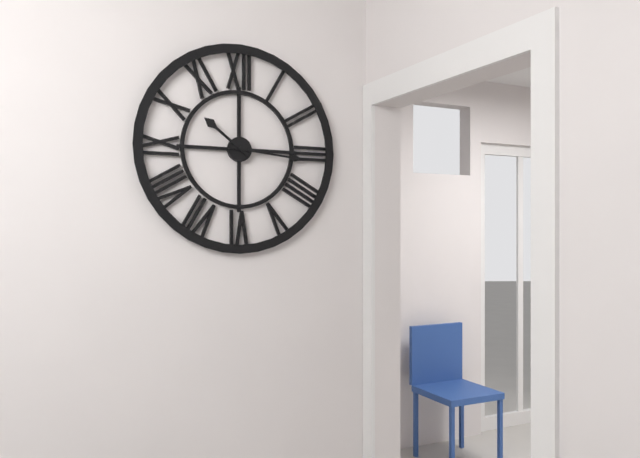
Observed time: **10:16**
